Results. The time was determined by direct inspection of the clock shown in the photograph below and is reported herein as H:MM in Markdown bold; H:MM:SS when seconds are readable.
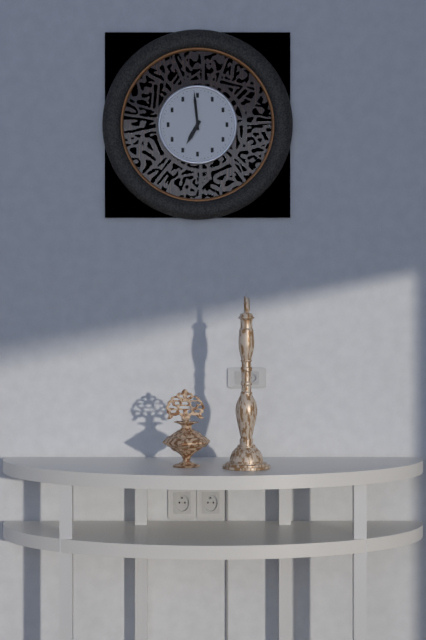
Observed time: **6:59**
